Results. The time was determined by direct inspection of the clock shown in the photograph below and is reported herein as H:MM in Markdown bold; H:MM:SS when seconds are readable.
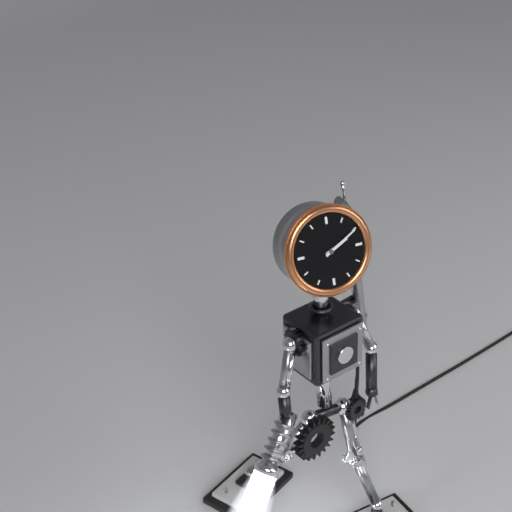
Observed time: **2:10**
